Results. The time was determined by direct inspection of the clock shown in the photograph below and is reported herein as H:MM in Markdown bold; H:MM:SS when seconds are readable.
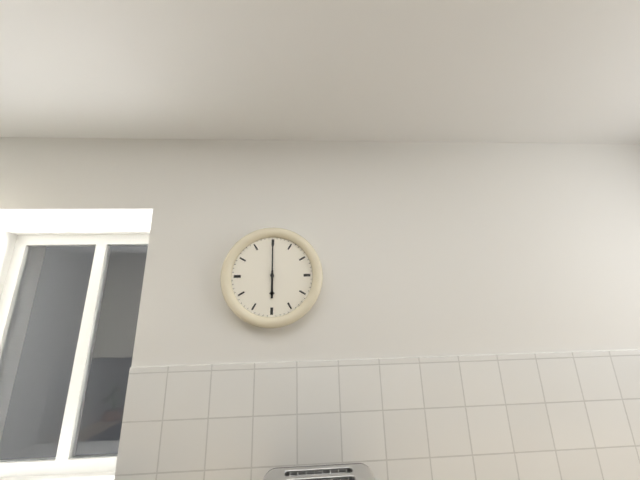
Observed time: **6:00**
